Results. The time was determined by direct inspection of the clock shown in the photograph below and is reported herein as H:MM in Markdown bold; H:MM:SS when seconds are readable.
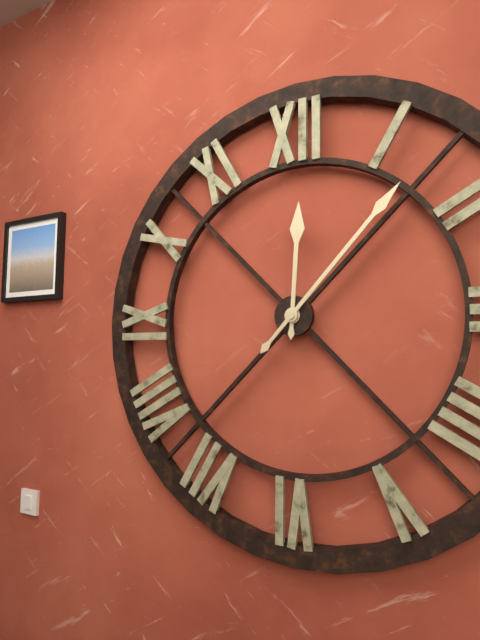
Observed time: **12:07**
